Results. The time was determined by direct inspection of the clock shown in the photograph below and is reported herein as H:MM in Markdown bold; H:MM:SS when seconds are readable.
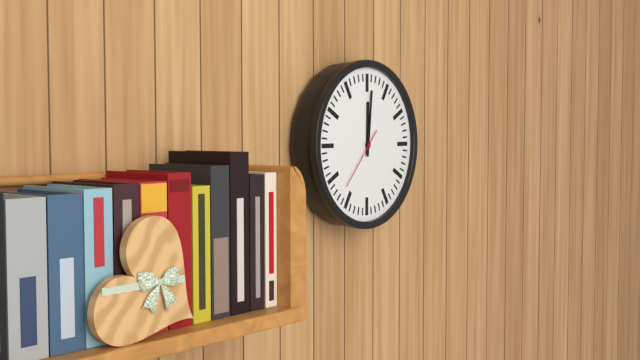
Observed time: **12:01:37**
